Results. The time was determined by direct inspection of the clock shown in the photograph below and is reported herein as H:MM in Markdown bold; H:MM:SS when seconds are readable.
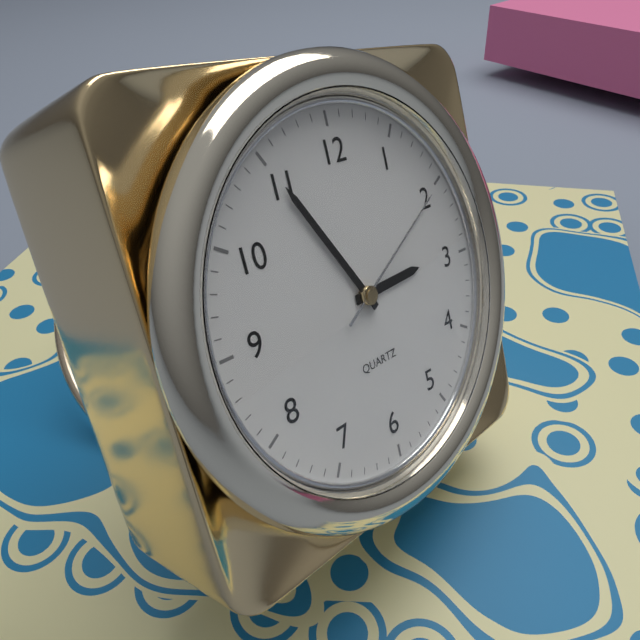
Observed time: **2:55:10**
